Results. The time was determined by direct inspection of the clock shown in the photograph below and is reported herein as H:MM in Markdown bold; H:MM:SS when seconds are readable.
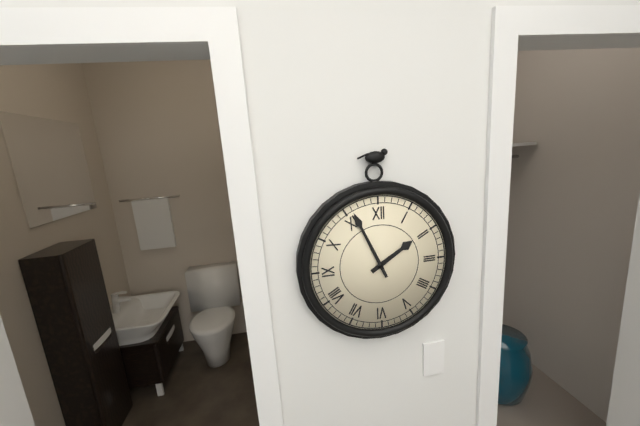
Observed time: **1:56**
